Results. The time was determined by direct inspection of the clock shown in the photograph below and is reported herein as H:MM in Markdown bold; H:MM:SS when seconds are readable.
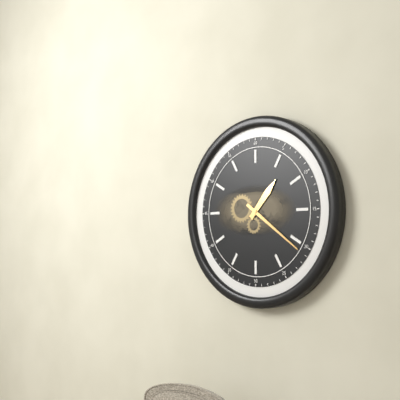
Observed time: **1:21**
